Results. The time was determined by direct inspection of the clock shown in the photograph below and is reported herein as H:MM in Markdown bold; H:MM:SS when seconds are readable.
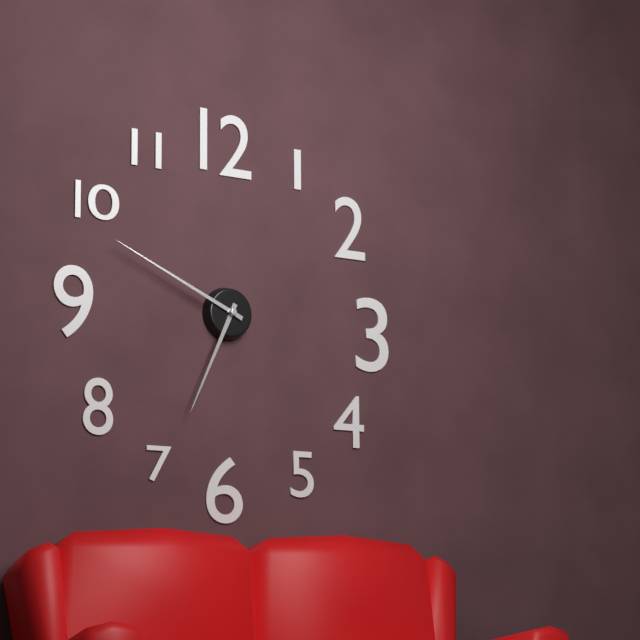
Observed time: **6:49**
